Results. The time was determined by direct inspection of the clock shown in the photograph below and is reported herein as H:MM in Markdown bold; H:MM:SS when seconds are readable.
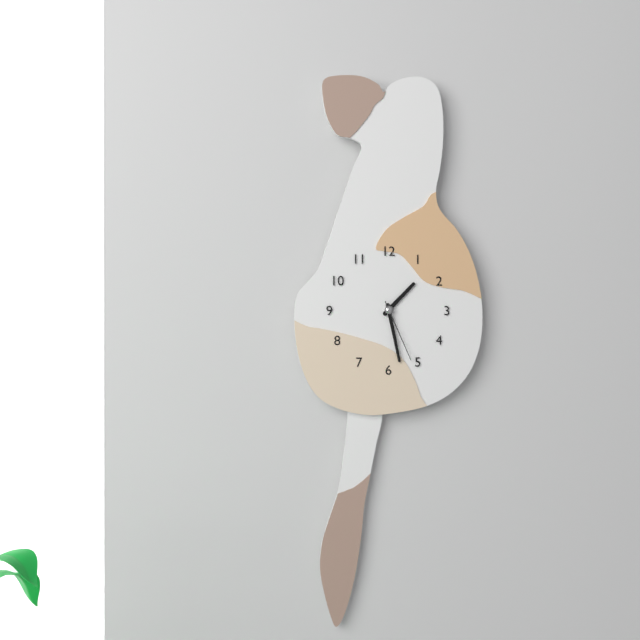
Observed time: **1:28:26**
